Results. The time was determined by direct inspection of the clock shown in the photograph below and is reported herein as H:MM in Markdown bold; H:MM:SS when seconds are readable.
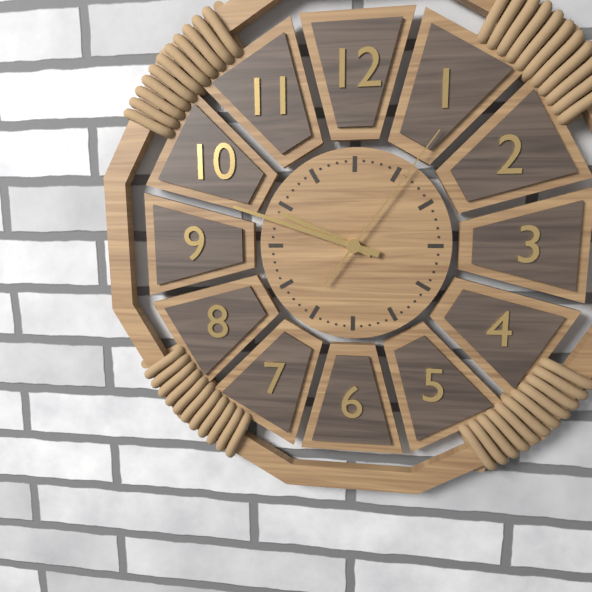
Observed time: **9:48:06**
